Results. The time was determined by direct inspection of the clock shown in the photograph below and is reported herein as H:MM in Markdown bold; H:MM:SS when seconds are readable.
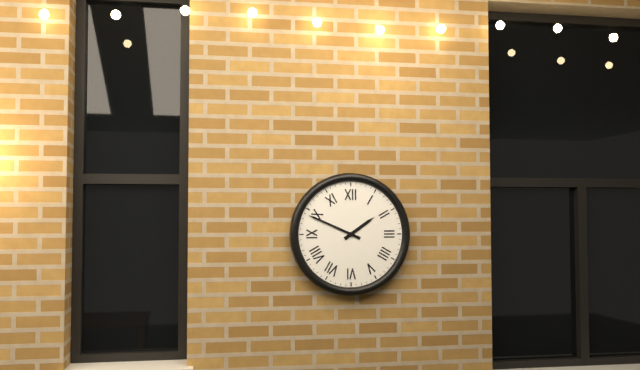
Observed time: **1:49**
